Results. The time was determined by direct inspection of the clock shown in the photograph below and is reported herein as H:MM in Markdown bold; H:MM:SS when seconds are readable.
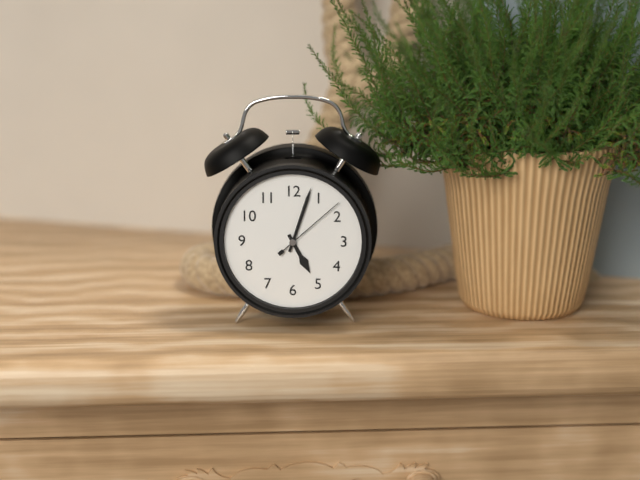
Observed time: **5:03:08**
